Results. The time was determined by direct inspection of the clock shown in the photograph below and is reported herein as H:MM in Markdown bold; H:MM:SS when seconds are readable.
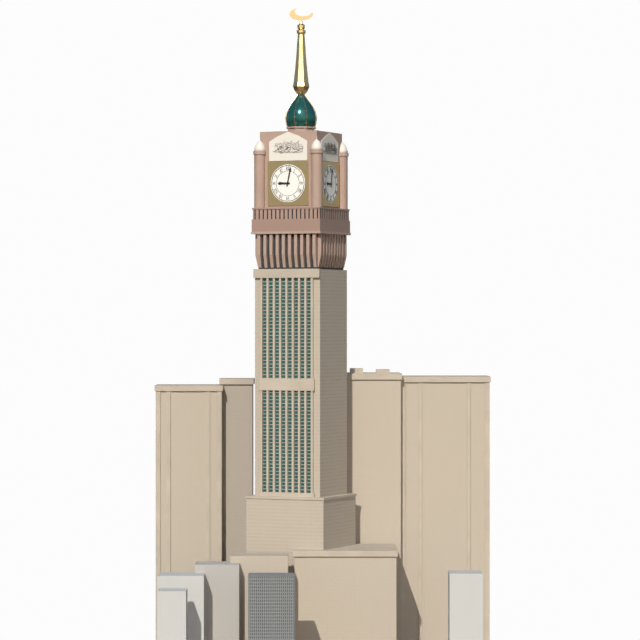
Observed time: **9:02**
